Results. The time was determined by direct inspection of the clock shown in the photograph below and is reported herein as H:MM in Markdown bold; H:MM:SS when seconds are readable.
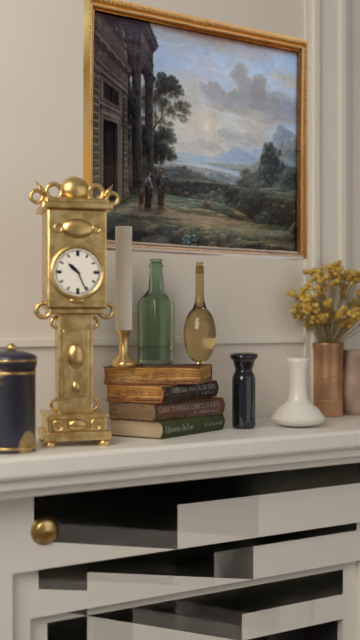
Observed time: **10:26**
